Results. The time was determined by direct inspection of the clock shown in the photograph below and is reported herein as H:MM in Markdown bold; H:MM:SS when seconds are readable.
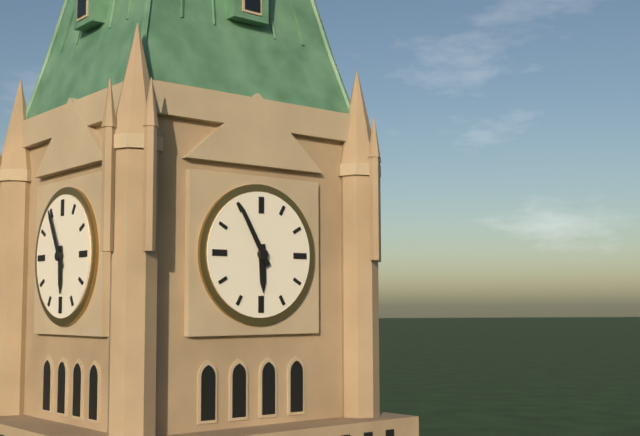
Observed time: **5:55**
